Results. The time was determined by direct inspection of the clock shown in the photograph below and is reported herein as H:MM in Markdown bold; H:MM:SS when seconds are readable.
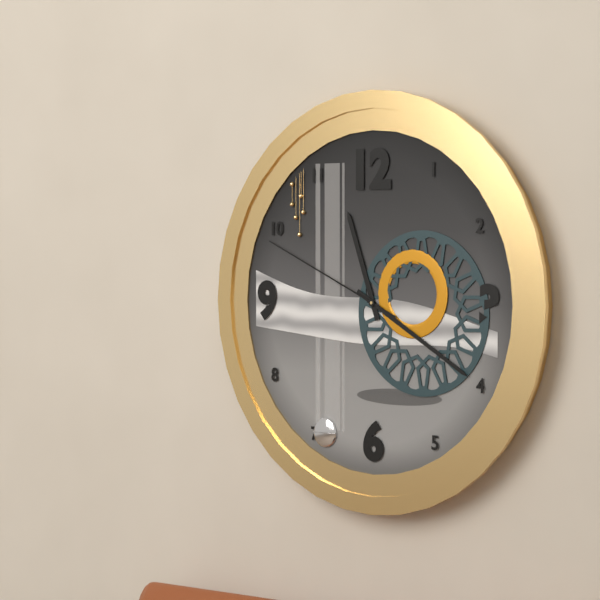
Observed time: **11:20:49**
